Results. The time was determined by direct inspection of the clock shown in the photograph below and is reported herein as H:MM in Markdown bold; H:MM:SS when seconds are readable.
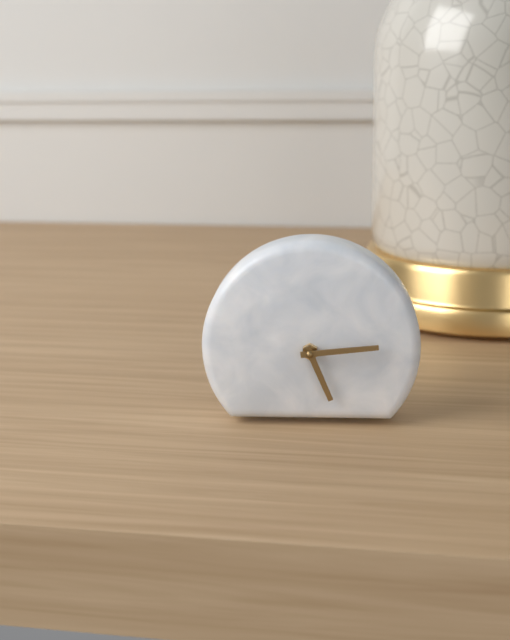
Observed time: **5:14**
